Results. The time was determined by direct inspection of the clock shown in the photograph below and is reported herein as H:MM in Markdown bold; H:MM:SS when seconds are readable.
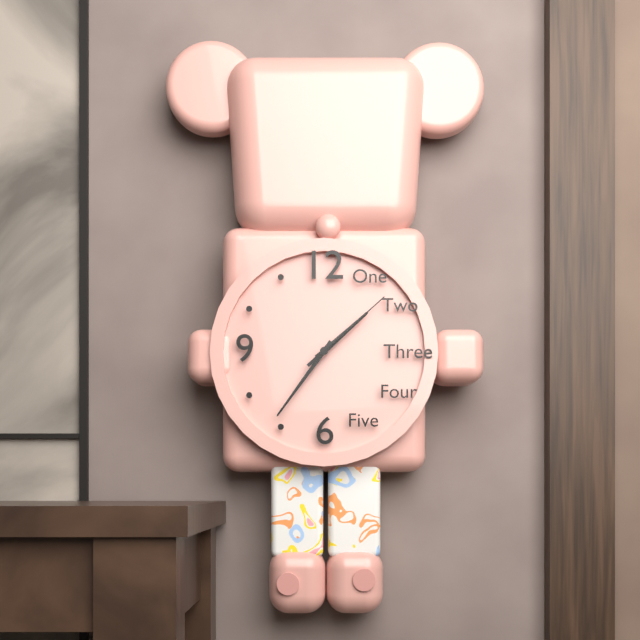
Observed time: **1:36:08**
